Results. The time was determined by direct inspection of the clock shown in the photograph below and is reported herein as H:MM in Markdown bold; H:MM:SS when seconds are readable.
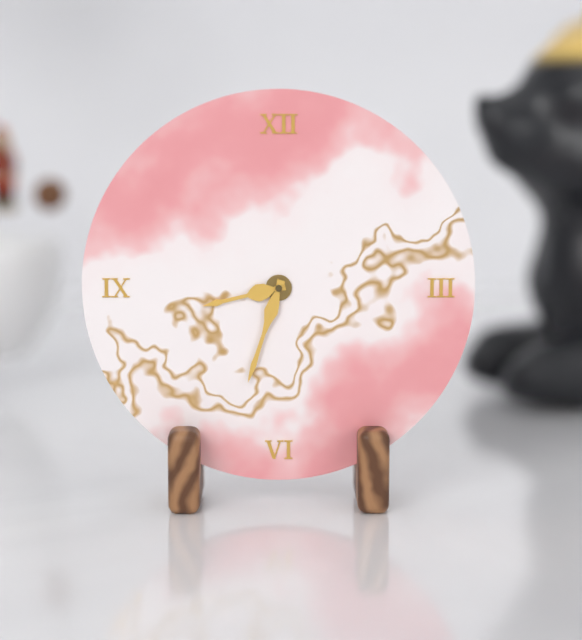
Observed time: **8:33**
